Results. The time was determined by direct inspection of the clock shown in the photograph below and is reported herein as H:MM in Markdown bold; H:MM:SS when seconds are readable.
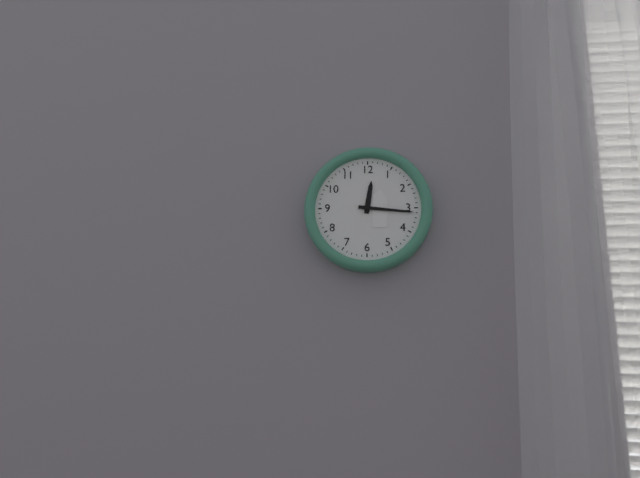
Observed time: **12:16**
